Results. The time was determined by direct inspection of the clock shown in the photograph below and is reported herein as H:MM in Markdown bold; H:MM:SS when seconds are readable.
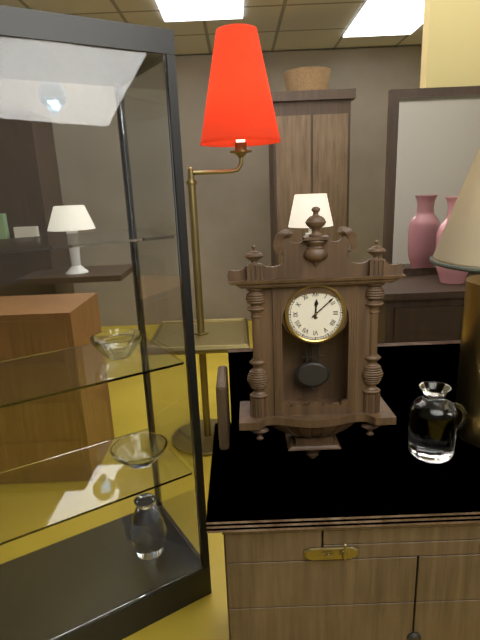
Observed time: **12:08**
